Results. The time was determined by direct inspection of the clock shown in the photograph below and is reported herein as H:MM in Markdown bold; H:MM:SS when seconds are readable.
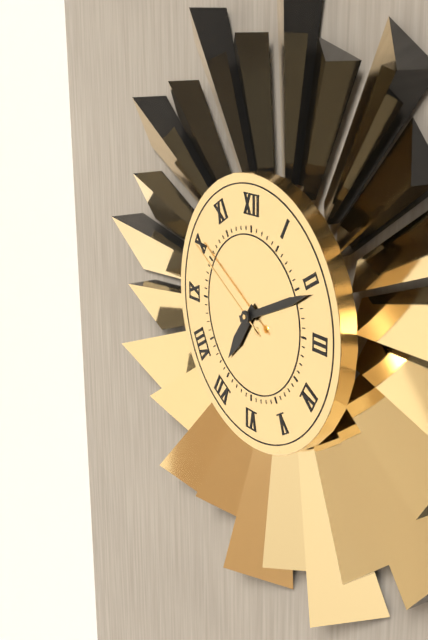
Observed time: **7:11:50**
